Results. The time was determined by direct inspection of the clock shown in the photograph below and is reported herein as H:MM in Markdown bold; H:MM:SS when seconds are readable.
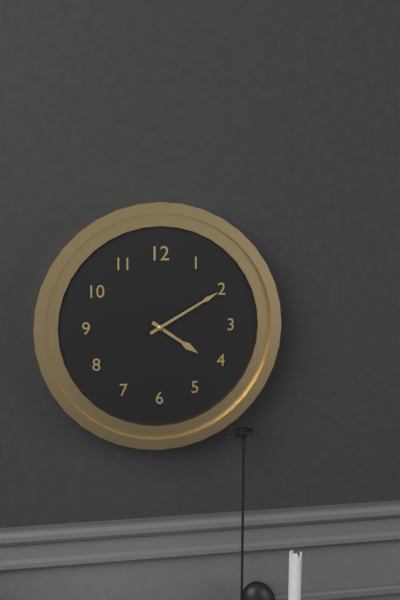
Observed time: **4:10**
